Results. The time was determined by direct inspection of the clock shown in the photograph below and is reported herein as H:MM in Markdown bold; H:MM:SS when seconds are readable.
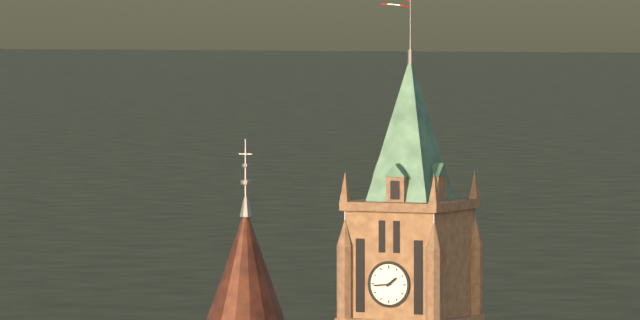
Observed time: **1:44**
